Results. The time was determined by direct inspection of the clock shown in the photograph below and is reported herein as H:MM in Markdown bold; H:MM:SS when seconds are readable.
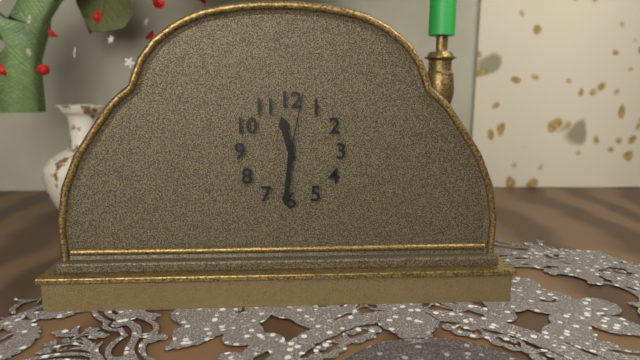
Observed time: **11:31:02**
